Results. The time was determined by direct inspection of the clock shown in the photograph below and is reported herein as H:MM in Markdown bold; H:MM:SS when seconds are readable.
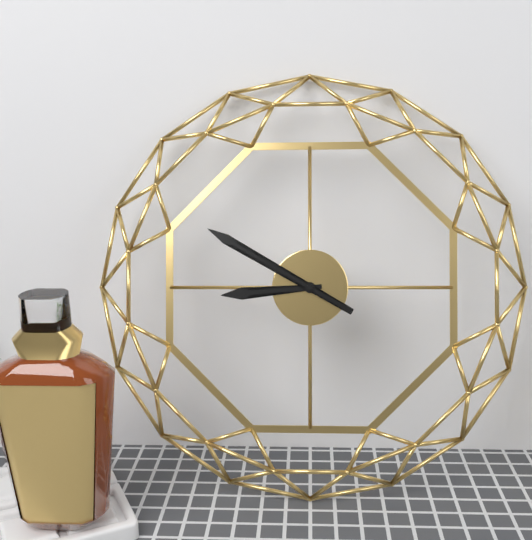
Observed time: **8:50**
